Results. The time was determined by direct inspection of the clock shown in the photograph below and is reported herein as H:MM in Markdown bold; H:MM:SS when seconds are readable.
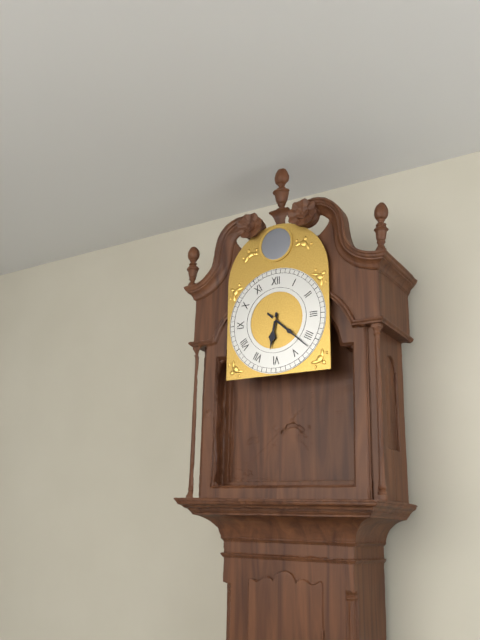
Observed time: **6:22**
